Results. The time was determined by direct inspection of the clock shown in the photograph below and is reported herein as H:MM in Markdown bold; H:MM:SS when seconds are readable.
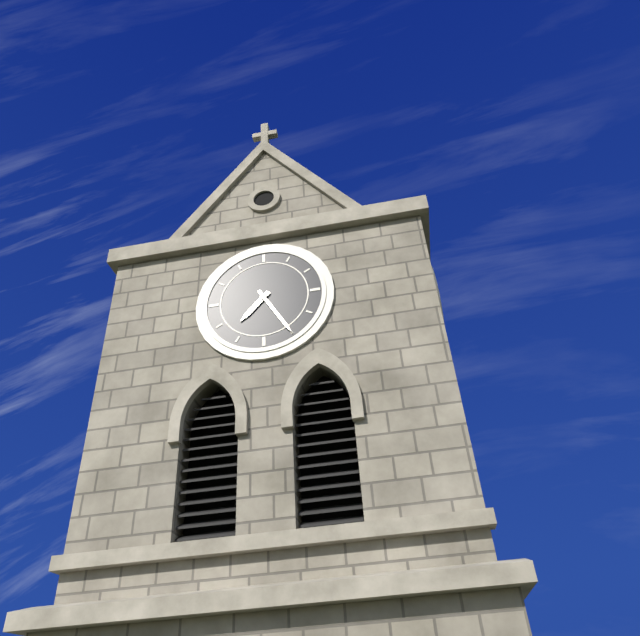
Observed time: **7:25**
